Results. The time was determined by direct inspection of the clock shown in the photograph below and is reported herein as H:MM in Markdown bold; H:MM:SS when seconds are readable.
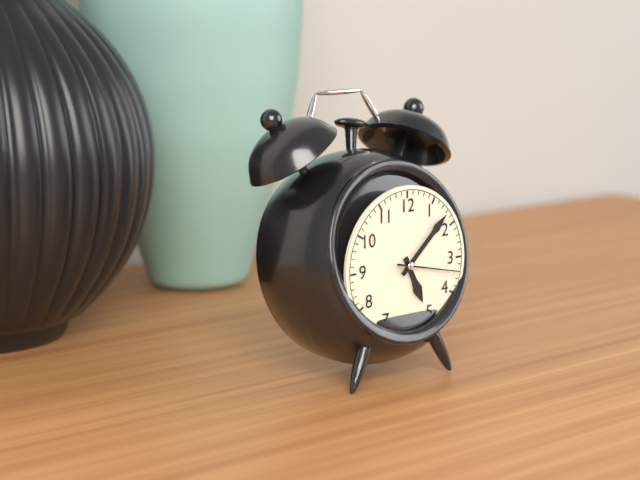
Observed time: **5:08:17**
